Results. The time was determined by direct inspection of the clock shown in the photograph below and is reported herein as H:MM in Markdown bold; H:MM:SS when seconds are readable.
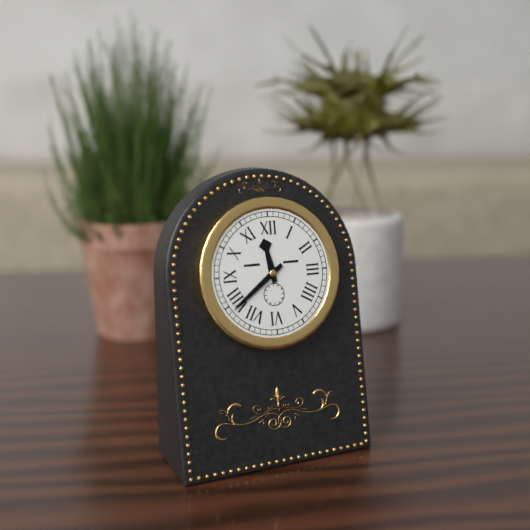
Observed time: **11:39**
